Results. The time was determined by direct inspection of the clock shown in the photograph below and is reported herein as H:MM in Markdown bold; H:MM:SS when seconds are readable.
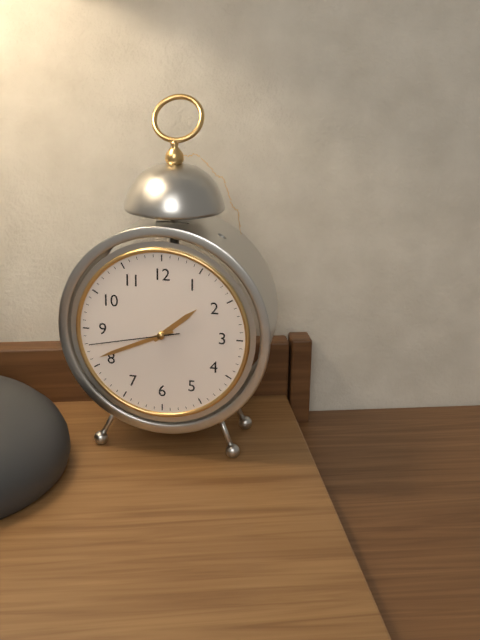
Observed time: **1:41:43**
